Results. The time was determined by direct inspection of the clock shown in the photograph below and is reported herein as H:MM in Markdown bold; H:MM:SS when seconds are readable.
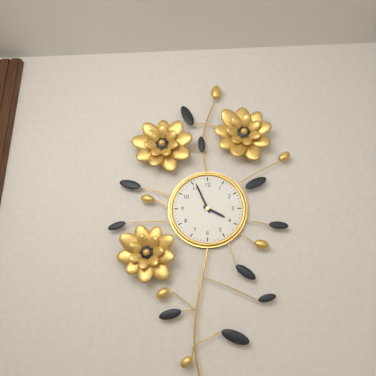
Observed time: **3:56**
